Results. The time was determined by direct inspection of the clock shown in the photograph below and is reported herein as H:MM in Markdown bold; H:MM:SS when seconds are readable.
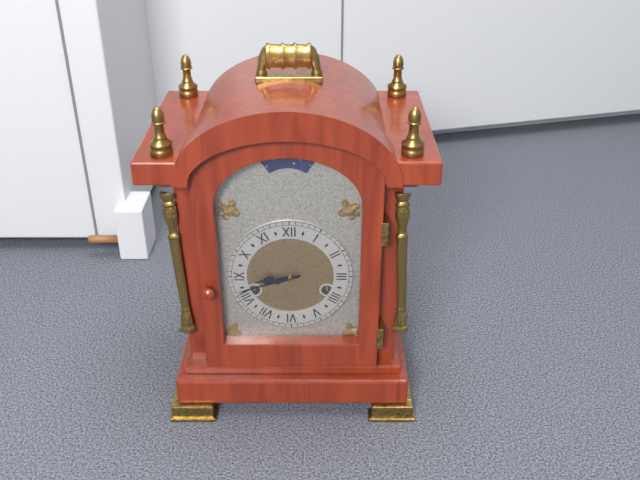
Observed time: **8:42**
